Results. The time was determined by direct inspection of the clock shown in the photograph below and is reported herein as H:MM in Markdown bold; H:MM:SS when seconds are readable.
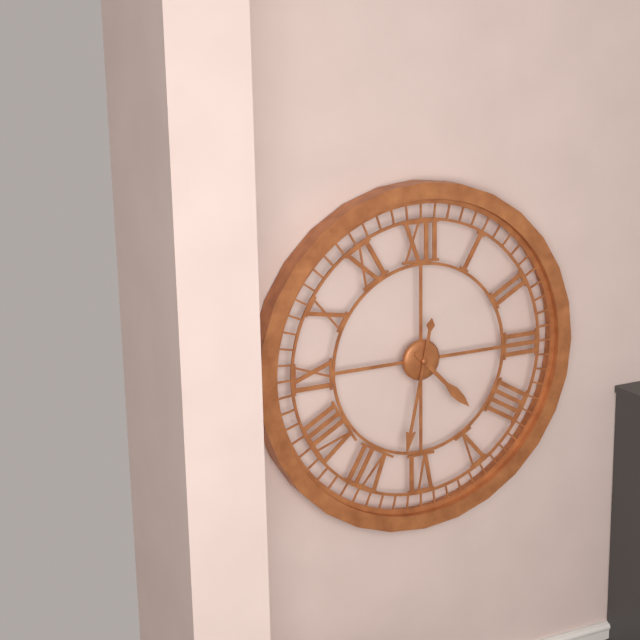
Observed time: **4:32**
